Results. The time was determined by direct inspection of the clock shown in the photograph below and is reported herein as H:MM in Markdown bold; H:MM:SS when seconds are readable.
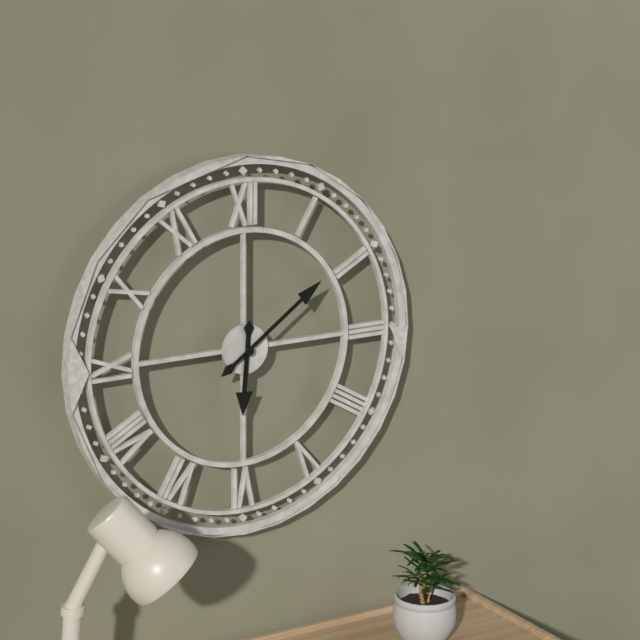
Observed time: **6:09**
